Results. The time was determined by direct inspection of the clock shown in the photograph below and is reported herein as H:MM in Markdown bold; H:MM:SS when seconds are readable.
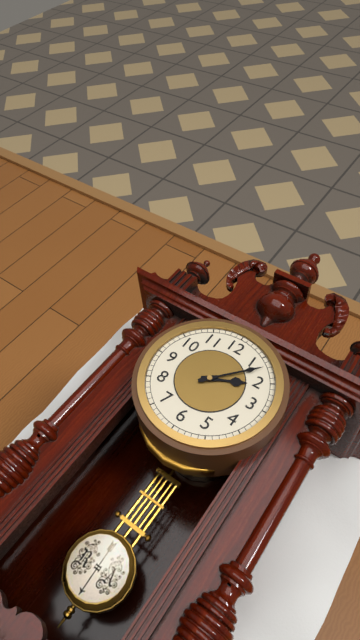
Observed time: **2:07**
